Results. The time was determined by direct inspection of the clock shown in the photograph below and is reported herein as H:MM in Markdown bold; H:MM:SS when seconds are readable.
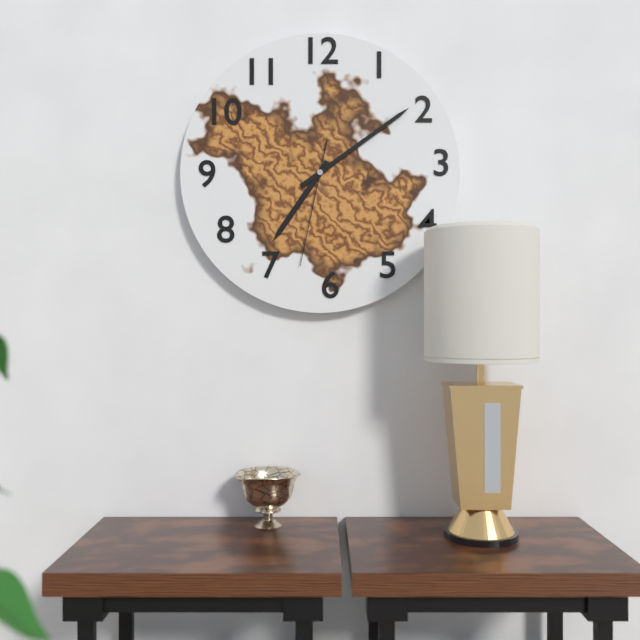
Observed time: **7:09:32**
